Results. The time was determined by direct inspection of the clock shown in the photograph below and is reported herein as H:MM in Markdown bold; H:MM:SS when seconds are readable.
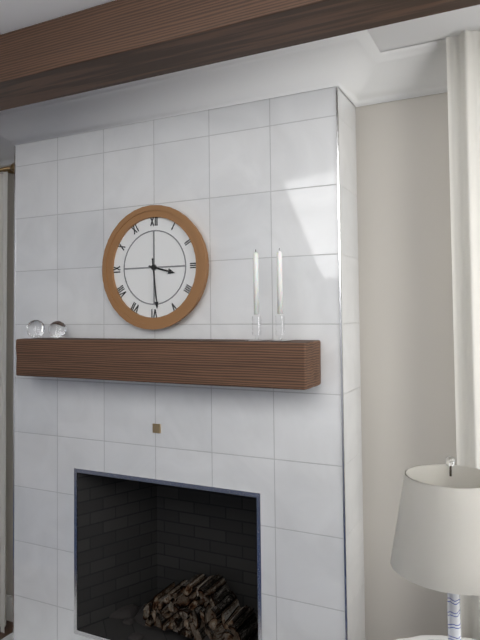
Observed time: **3:29**
